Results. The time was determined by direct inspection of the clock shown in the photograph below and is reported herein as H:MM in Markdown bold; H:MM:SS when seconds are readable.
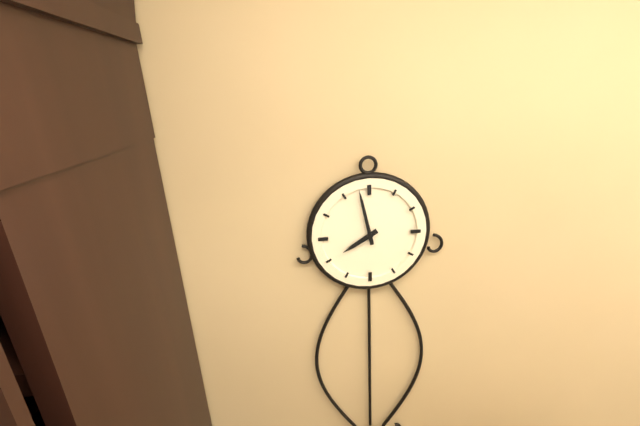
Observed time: **7:58**
